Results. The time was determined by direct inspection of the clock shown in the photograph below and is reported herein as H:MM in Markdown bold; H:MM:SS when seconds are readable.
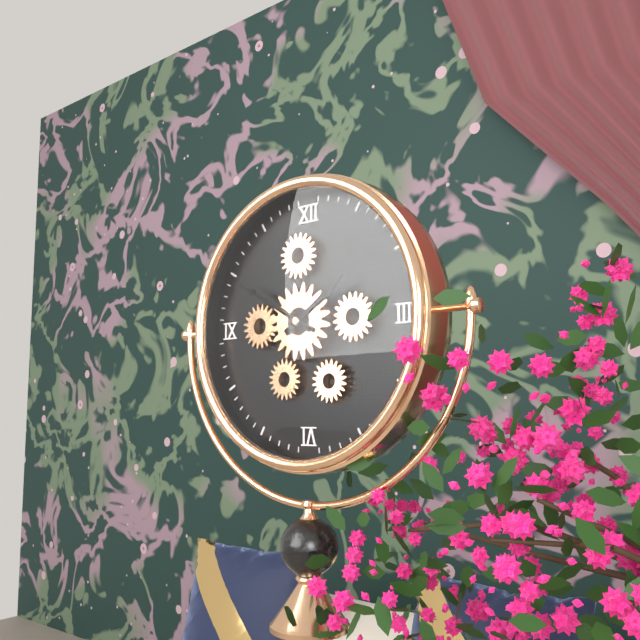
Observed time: **1:50**
